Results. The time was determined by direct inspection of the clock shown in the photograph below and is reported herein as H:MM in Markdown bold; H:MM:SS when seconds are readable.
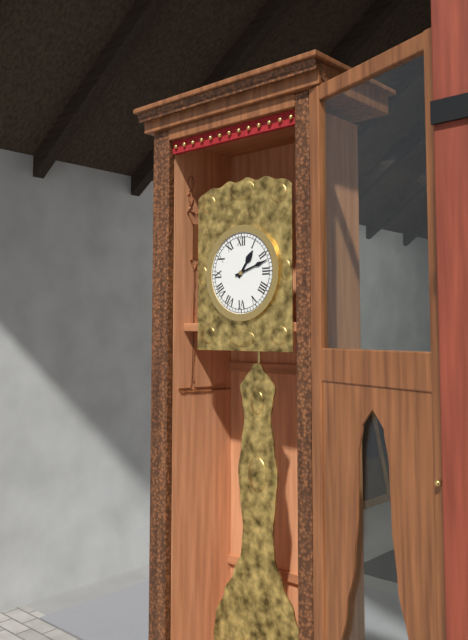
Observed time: **1:12**
